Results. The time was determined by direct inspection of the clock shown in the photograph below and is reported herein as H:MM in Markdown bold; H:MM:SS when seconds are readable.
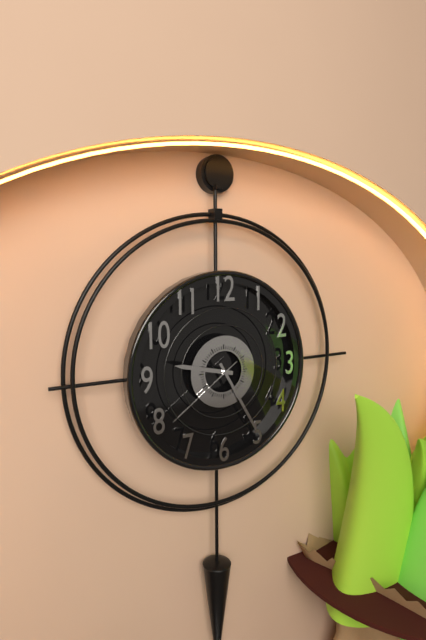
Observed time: **9:25:39**
